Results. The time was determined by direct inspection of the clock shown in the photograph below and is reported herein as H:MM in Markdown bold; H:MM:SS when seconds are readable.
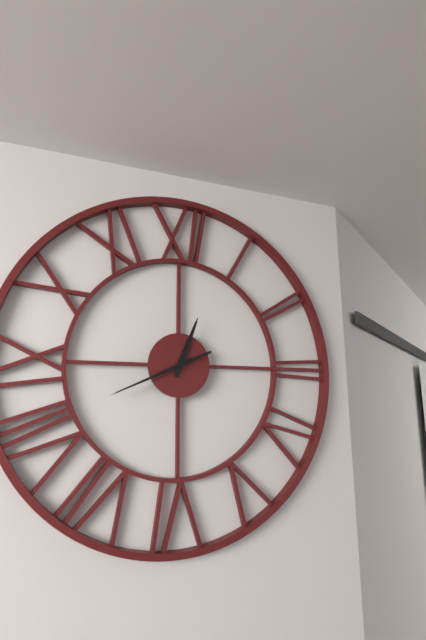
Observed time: **12:41**
